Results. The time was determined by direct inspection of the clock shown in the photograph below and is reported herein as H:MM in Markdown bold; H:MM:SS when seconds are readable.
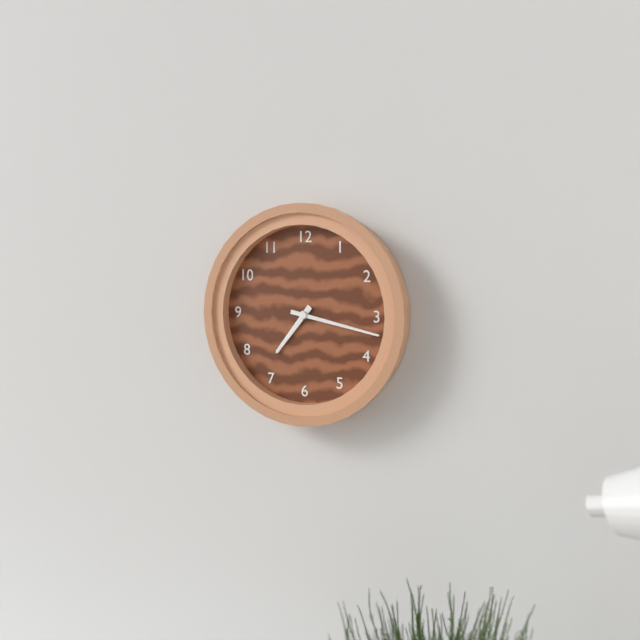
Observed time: **7:17**
